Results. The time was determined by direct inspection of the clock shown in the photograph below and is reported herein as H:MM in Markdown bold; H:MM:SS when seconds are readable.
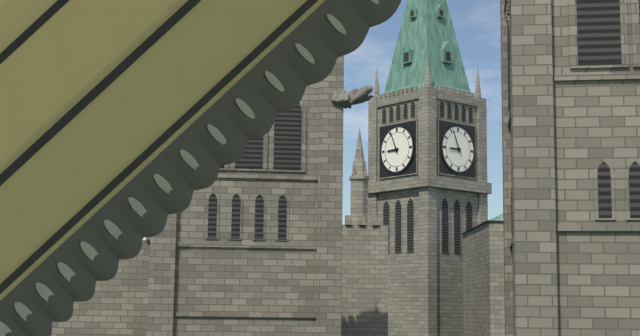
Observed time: **8:56**
